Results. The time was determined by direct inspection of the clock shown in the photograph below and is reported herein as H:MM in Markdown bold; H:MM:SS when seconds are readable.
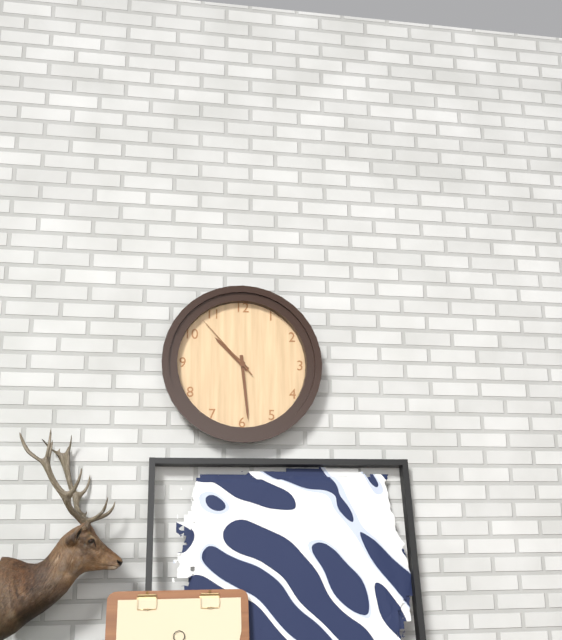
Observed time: **10:29:53**
